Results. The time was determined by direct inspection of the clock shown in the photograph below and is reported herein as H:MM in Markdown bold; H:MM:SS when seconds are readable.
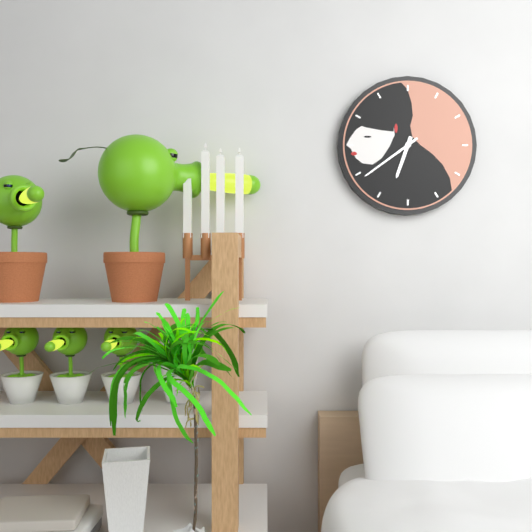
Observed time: **6:39**
